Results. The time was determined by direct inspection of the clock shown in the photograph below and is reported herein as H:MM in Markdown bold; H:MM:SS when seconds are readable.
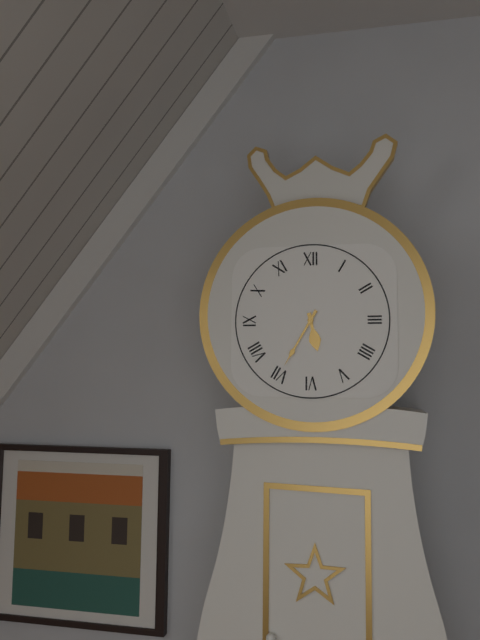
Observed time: **5:35**
